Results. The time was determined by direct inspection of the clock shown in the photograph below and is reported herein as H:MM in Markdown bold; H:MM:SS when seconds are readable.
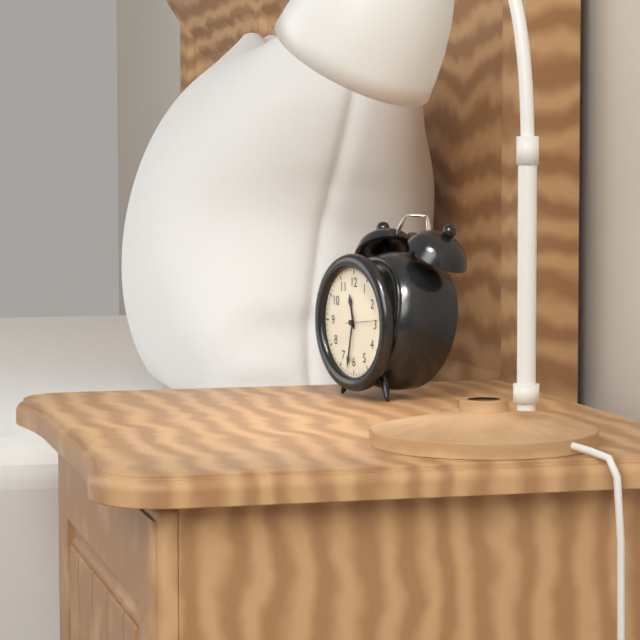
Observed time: **11:32**
